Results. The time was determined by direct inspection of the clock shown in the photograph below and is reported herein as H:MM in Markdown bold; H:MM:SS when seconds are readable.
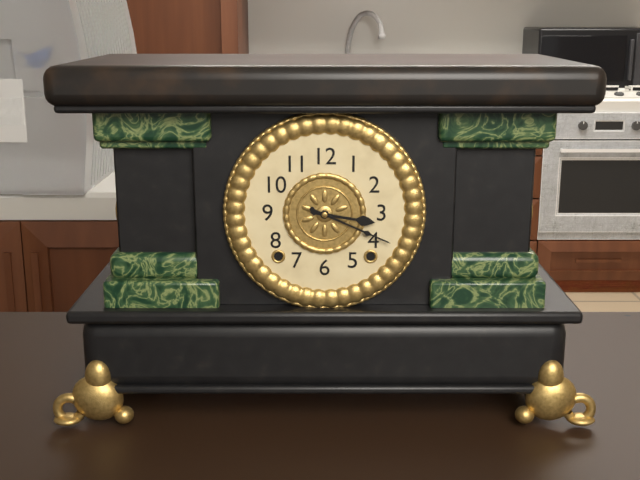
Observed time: **3:19**
